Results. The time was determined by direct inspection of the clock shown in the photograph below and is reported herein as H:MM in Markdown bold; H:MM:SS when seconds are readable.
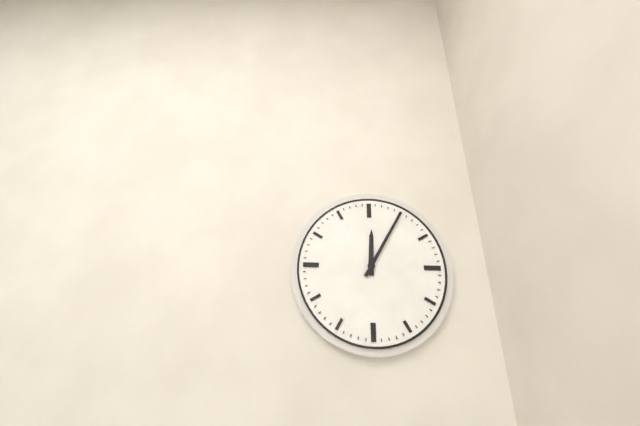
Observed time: **12:05**
